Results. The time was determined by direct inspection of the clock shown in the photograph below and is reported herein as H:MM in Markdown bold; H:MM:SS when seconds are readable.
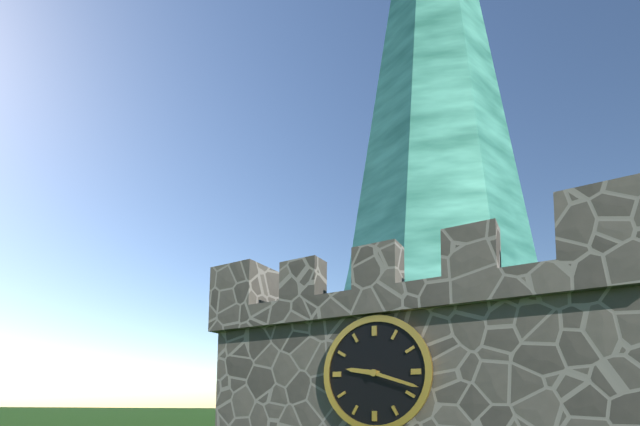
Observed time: **9:18**
